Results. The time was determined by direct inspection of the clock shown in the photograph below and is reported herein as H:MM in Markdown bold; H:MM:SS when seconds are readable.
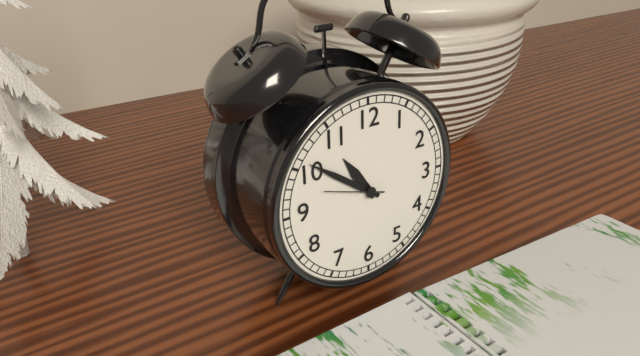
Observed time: **10:51:48**
